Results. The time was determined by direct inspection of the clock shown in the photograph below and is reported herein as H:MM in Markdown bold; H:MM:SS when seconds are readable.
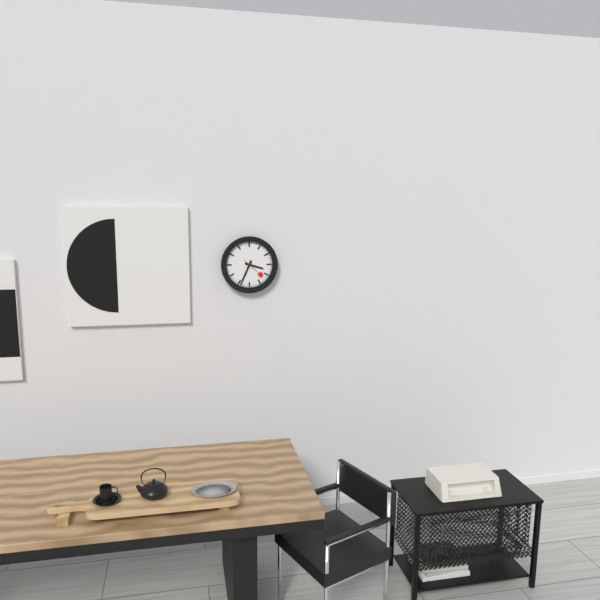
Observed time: **3:34**
